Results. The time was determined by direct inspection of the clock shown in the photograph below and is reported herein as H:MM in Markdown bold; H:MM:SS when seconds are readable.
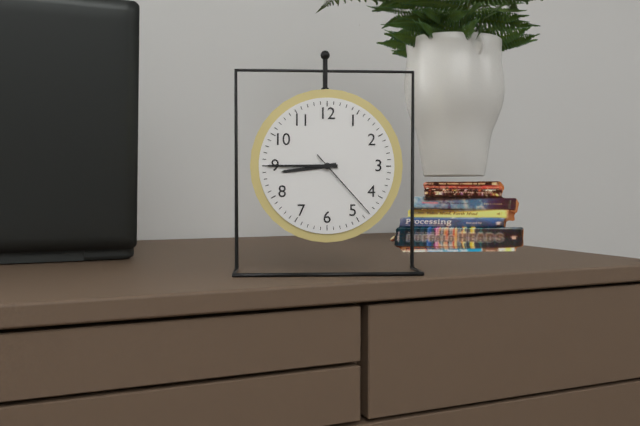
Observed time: **8:45:23**
